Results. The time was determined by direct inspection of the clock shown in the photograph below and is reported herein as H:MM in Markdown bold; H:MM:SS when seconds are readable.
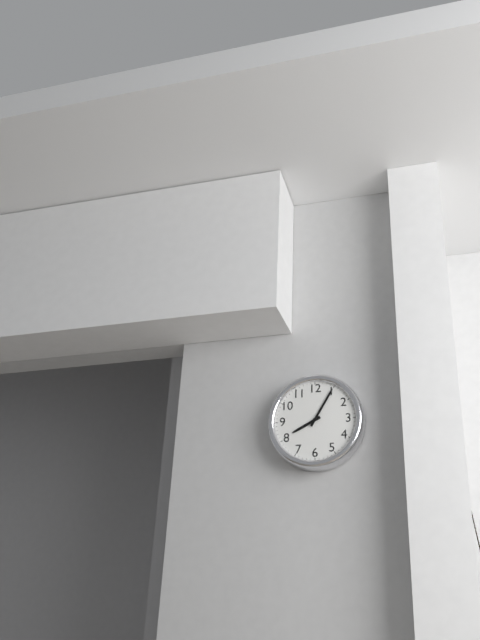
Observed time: **8:05**
